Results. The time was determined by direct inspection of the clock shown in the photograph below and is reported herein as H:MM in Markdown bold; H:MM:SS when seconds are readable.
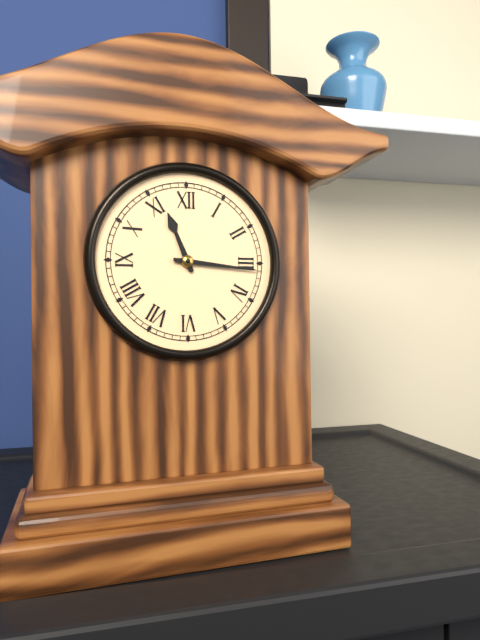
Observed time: **11:16**
